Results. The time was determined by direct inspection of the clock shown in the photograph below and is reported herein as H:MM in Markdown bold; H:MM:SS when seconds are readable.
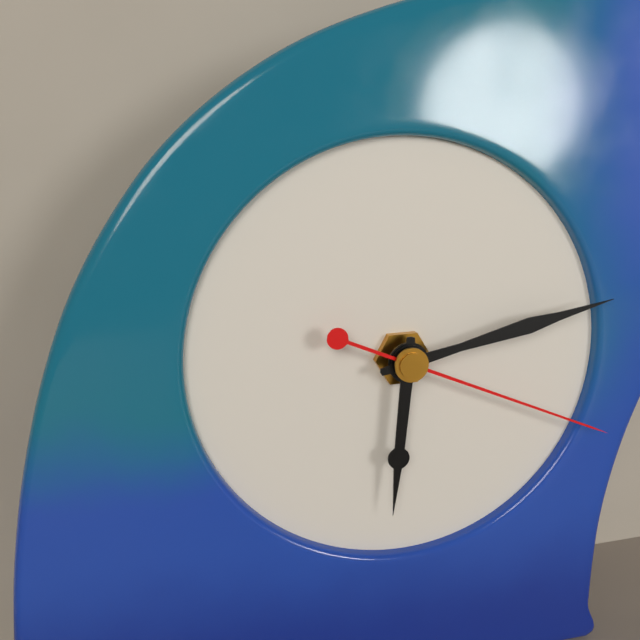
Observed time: **6:13:19**
